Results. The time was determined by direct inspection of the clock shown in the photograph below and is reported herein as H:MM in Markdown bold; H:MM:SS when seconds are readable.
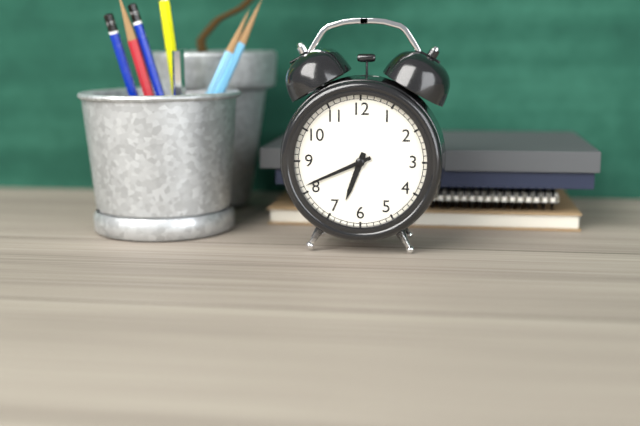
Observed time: **6:41**
